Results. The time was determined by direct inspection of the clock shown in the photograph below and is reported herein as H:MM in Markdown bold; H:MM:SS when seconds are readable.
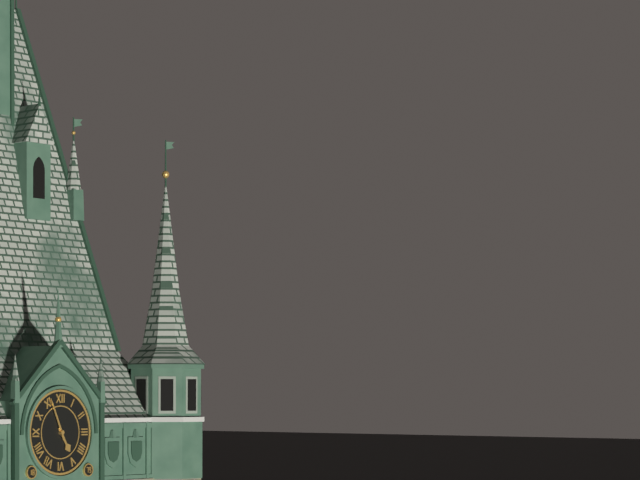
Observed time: **4:56**
